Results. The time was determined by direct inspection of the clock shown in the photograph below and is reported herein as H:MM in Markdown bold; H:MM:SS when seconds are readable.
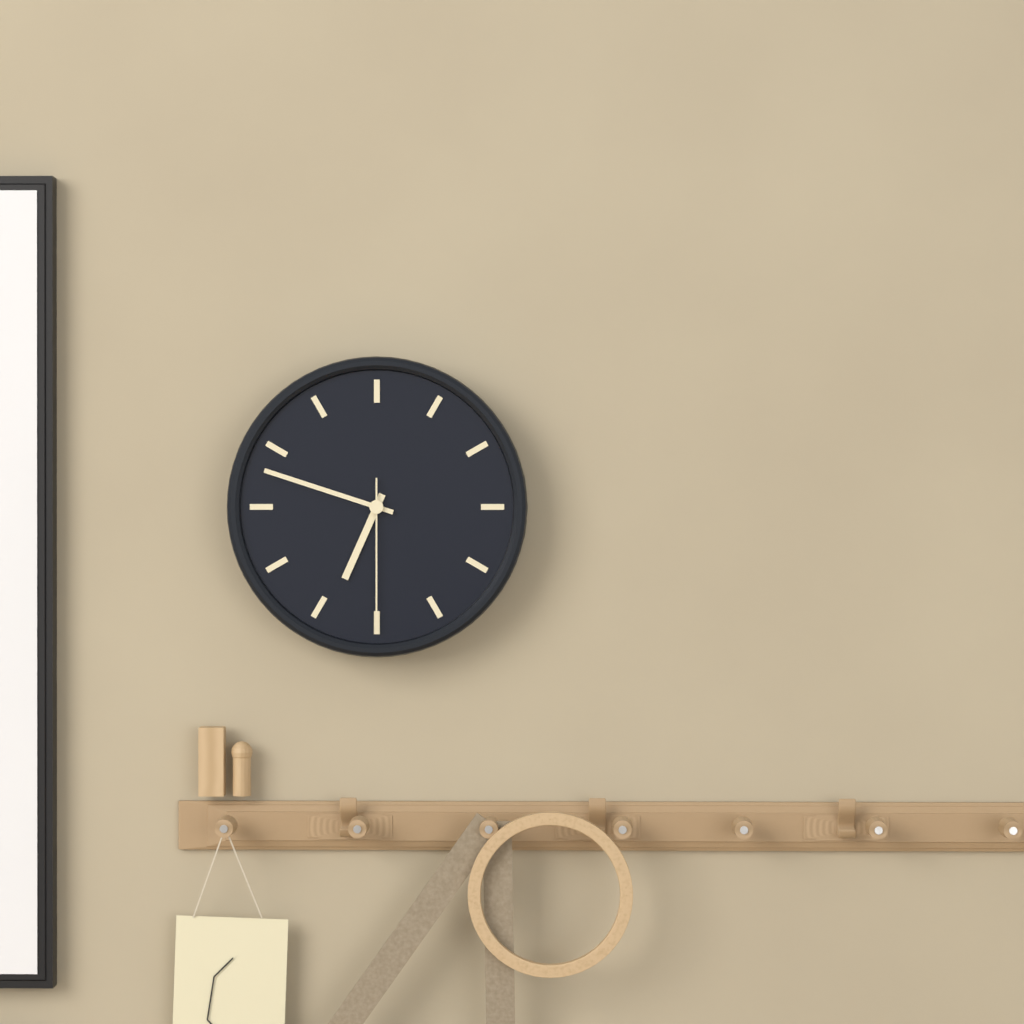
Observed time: **6:48:30**
